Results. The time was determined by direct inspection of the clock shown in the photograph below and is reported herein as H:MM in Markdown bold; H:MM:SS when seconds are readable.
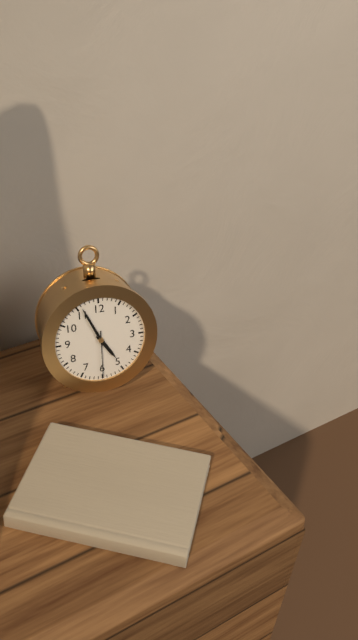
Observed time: **4:56**
